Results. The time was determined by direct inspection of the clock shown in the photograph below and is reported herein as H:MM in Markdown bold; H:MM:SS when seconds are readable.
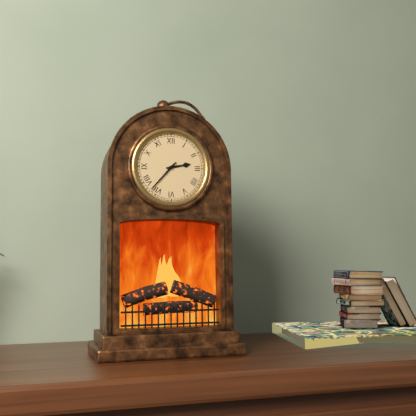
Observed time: **2:37**
